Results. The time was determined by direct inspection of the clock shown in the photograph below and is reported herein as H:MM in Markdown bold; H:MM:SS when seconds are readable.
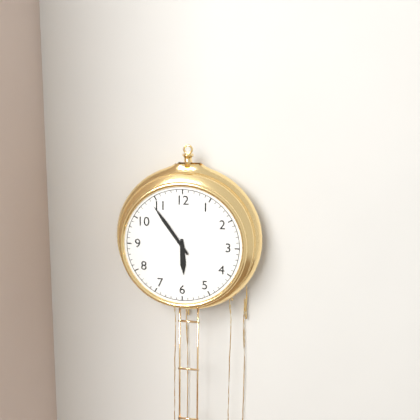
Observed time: **5:54**
